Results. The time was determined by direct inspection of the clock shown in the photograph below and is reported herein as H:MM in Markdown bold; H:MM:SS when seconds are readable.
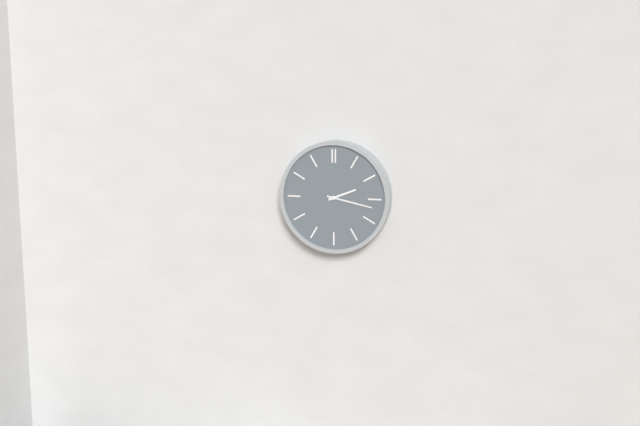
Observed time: **2:17**
